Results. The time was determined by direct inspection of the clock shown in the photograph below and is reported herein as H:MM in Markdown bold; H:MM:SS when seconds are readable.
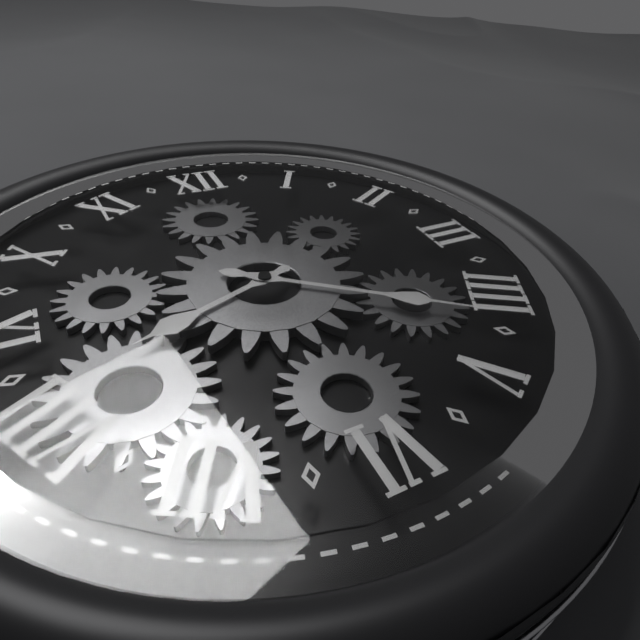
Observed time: **8:21**
